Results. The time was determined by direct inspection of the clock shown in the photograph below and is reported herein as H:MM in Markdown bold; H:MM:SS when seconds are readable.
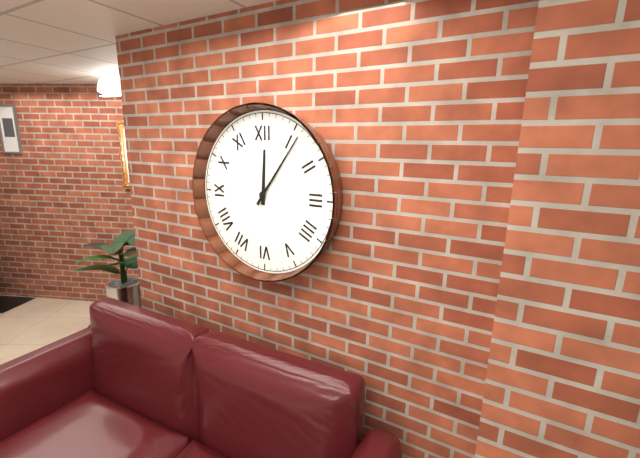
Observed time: **12:06**
